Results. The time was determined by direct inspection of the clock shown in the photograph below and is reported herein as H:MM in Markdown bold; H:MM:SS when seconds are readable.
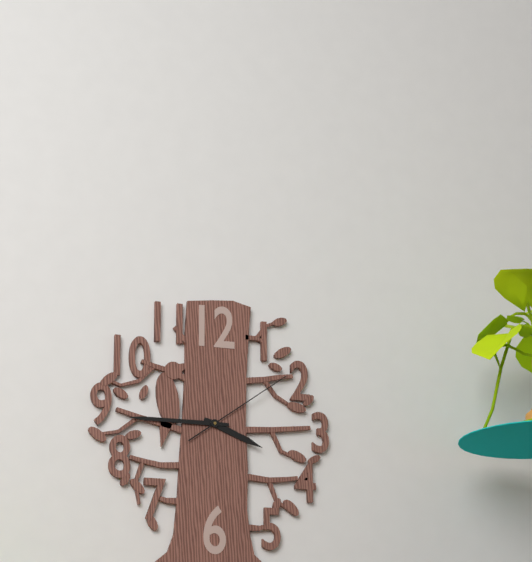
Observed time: **3:45:09**
